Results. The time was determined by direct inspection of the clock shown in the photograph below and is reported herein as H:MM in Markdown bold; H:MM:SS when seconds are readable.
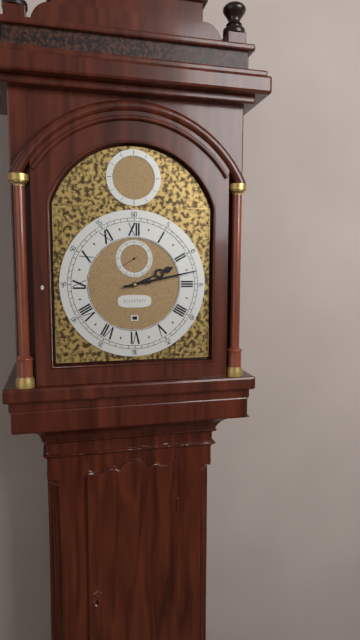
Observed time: **2:13**
